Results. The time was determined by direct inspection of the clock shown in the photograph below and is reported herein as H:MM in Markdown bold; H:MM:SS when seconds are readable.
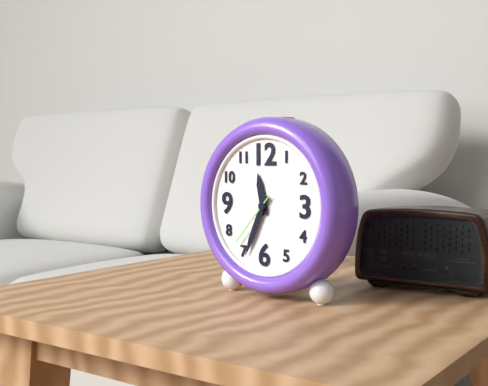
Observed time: **11:34:37**
